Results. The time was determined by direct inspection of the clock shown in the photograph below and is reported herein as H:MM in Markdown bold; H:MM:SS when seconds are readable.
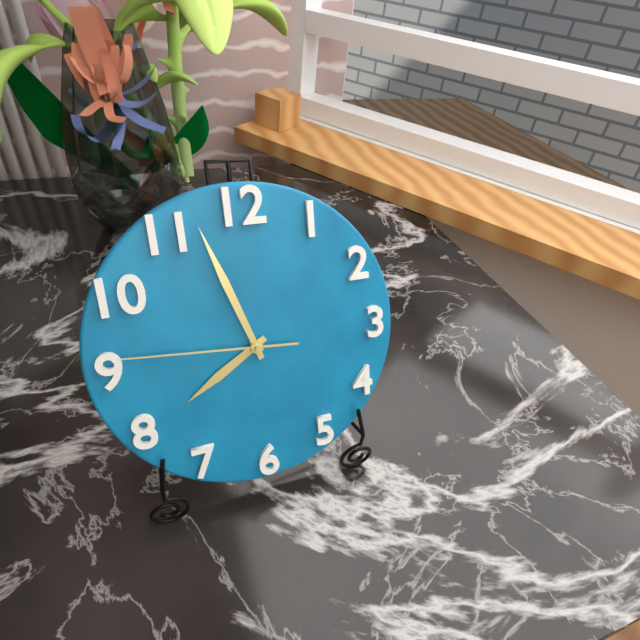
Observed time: **7:57:46**
